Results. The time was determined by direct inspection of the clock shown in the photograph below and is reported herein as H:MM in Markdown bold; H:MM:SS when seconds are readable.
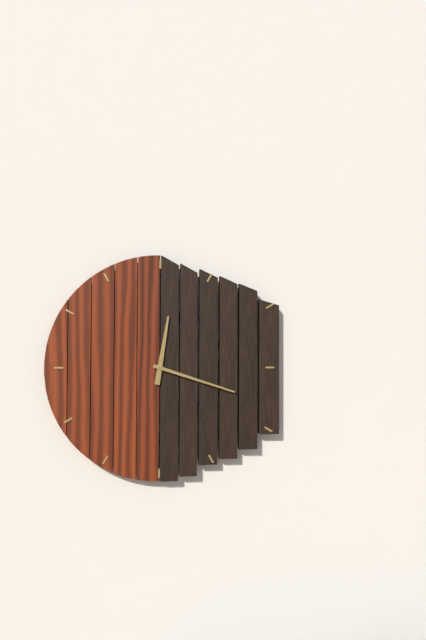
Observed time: **12:18**
